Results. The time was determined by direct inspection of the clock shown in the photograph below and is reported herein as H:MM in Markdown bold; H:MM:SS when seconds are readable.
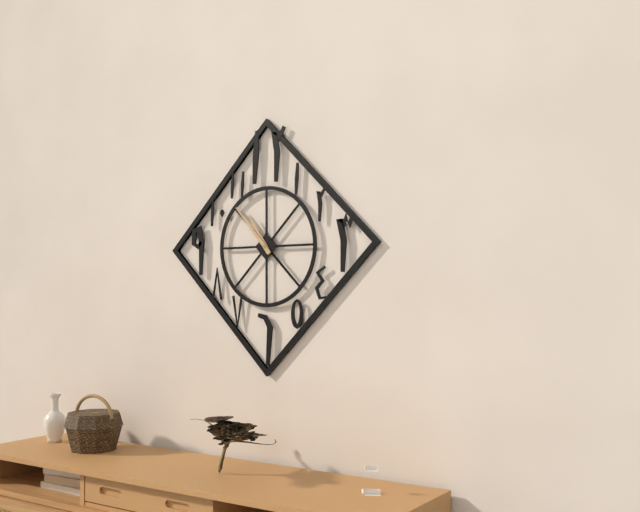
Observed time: **10:53**
